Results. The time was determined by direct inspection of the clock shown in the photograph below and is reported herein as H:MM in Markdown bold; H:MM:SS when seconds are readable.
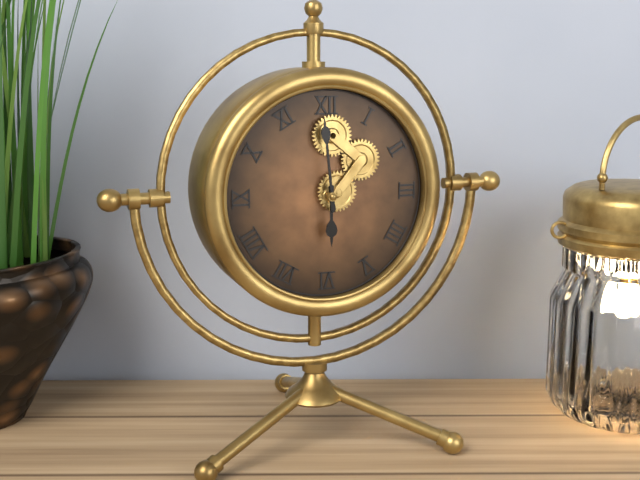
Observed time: **5:59**
